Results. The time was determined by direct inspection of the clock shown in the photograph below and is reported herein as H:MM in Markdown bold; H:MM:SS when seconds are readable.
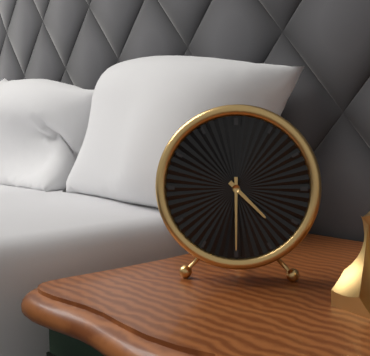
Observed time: **4:30**
